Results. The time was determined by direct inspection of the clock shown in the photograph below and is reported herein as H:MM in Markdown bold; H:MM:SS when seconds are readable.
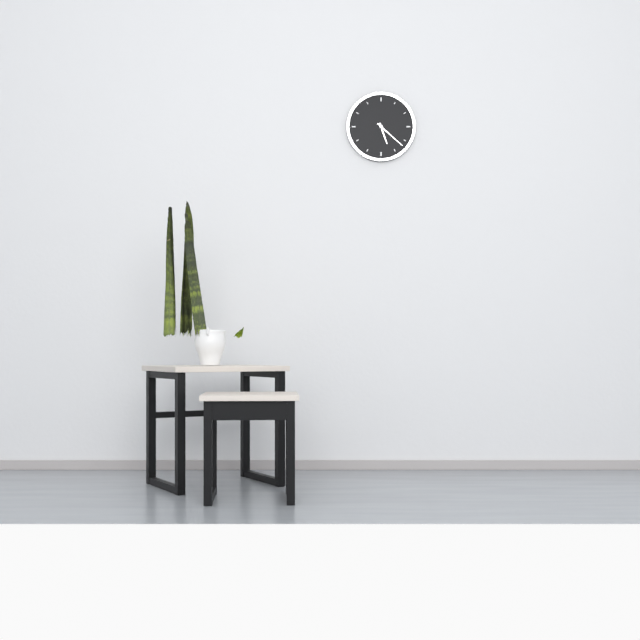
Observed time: **5:22**
